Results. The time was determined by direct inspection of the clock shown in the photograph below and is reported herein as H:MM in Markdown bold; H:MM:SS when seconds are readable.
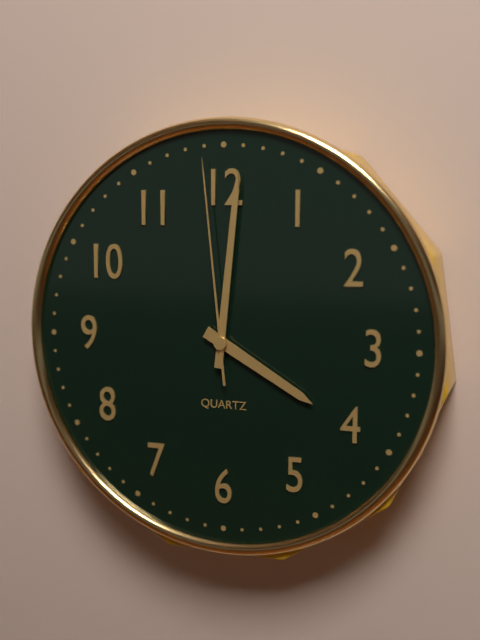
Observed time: **4:01:59**
